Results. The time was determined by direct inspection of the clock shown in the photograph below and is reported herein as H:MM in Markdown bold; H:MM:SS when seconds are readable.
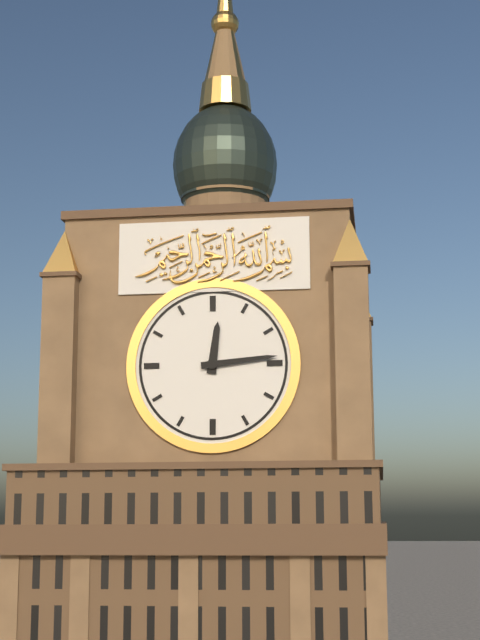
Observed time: **12:14**
